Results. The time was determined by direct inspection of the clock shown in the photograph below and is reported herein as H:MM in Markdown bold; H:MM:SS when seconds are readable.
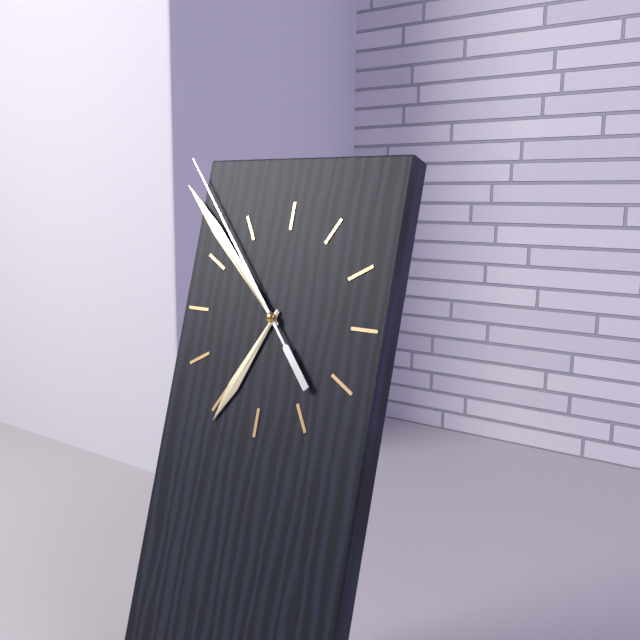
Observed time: **6:52:53**
